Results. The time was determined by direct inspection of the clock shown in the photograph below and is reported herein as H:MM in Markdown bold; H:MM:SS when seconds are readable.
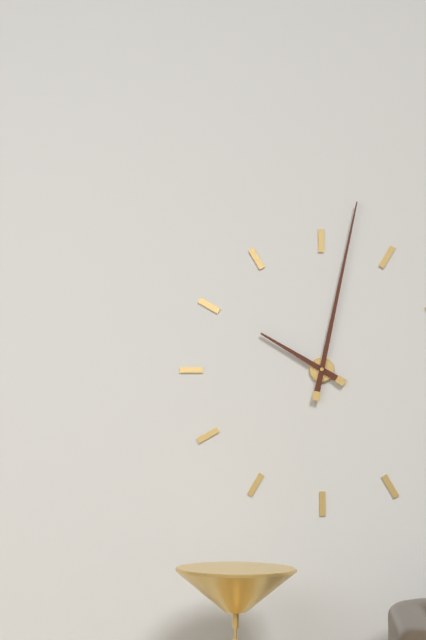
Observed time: **10:02**
